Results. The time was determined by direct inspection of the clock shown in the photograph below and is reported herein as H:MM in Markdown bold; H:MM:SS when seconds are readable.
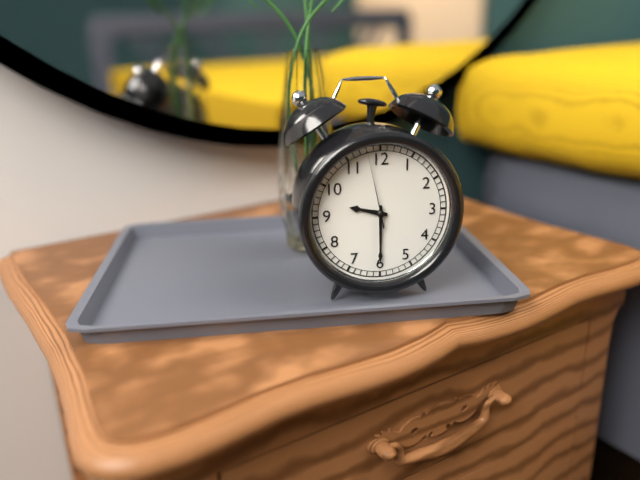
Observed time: **9:30:58**
